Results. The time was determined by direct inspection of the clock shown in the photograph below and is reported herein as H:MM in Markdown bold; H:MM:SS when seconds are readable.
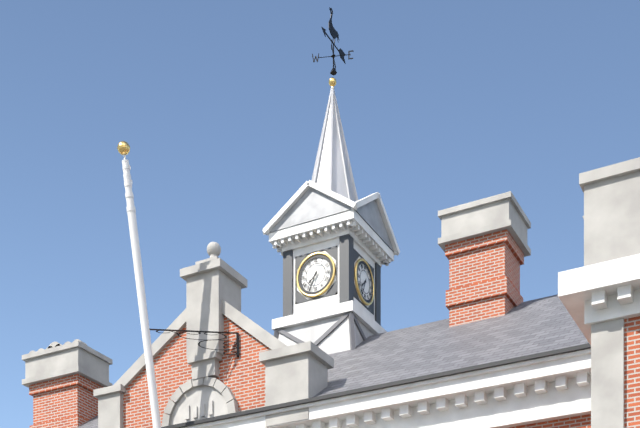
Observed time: **7:34**
